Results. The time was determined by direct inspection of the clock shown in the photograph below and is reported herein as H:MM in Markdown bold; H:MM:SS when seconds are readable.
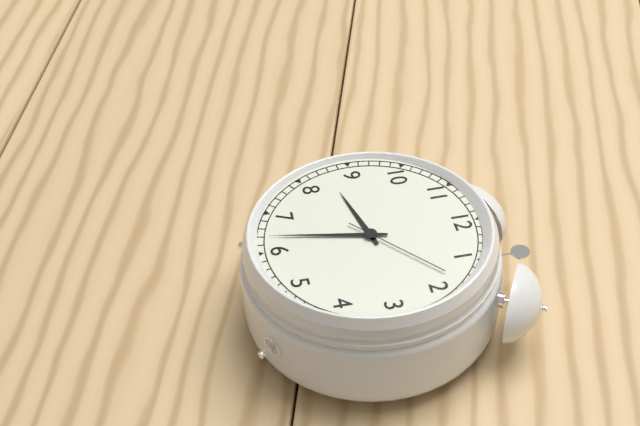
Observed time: **8:32:08**
